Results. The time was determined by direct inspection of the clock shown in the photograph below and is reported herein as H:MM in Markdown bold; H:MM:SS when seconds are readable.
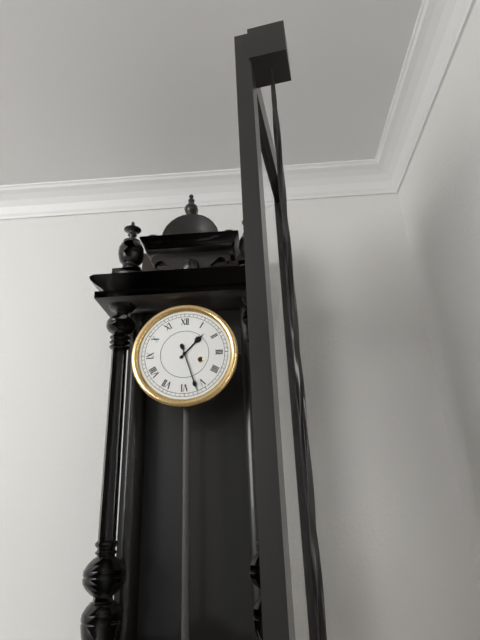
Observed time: **1:27**
